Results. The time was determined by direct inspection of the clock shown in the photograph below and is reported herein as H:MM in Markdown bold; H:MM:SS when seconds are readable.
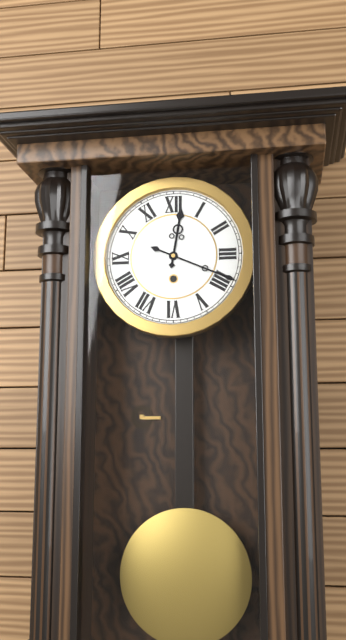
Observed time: **12:19**
